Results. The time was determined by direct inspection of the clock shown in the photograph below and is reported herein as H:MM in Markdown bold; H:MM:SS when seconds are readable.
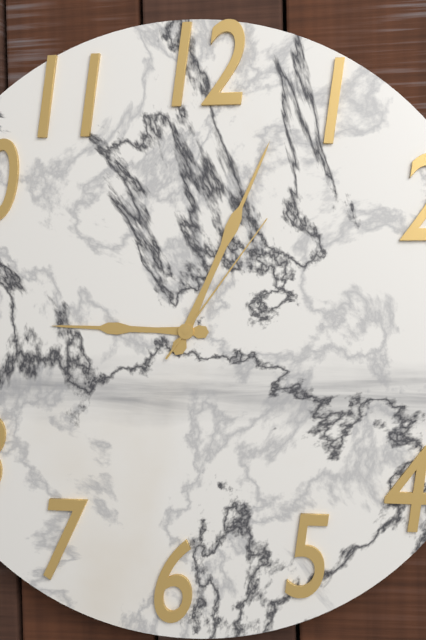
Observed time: **9:04:06**
